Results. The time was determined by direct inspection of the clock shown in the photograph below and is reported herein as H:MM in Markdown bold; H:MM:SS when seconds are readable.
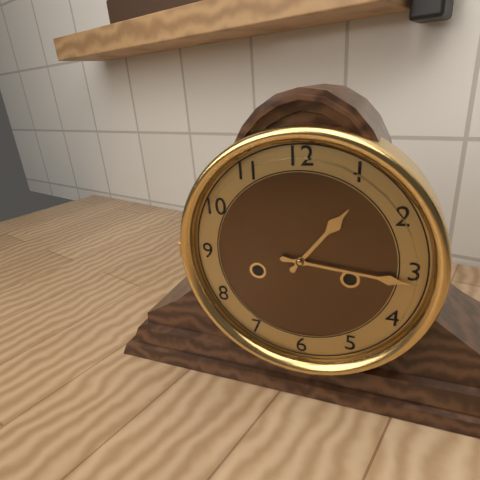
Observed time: **1:16**
